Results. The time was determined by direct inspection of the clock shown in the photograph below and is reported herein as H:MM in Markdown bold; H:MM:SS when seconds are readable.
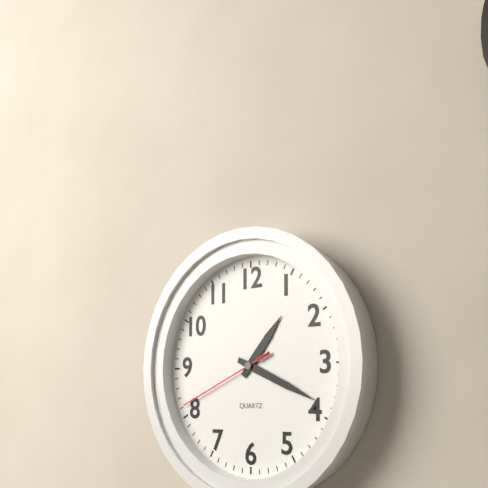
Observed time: **1:19:41**
